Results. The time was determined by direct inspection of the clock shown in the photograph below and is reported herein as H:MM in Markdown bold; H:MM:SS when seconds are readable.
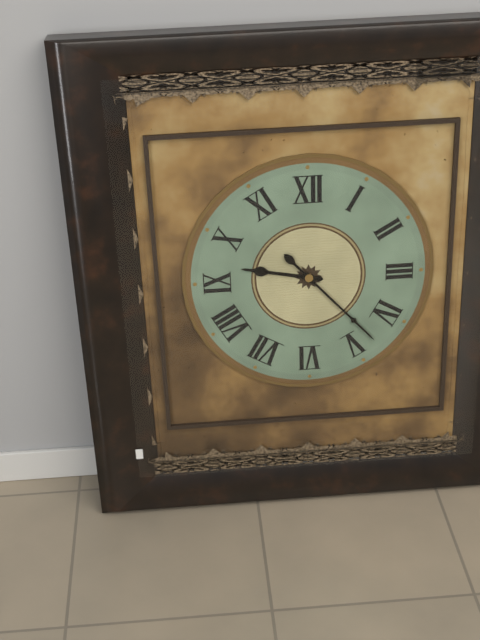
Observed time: **9:23**
